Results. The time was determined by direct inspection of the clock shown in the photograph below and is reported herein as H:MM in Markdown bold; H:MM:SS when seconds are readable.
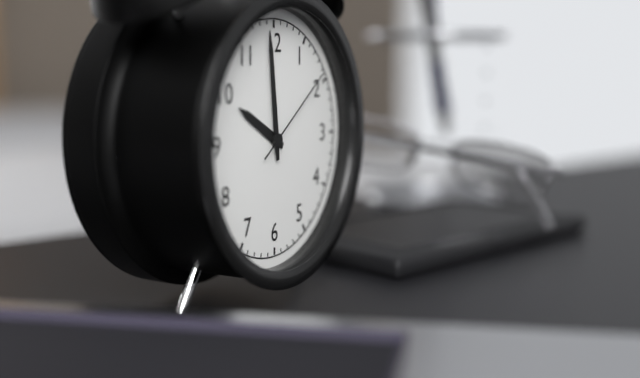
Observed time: **9:59:09**
